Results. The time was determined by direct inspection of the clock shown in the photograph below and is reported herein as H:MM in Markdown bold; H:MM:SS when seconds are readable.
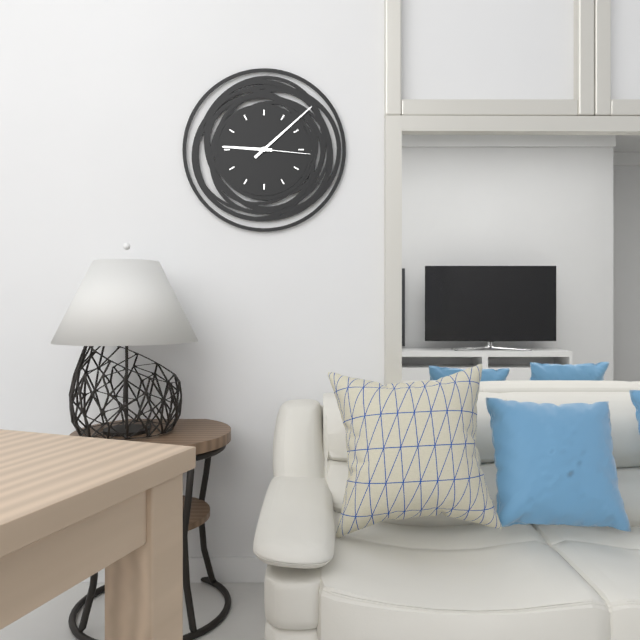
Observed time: **9:08:16**
